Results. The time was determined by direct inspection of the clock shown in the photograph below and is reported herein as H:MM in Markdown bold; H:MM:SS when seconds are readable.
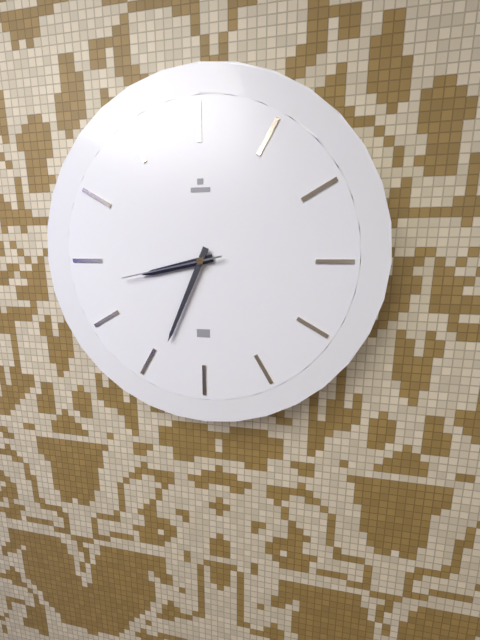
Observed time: **8:34:43**
